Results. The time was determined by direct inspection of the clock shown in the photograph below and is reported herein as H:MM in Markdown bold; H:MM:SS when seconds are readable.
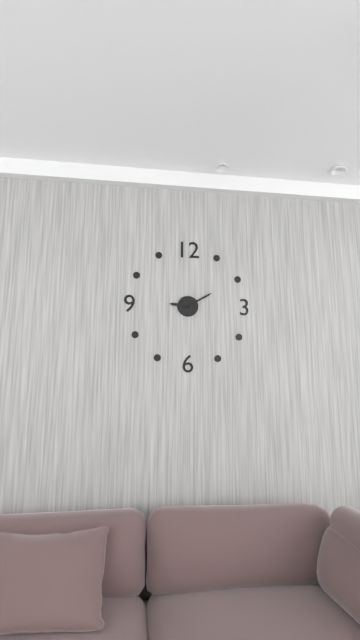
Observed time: **9:10**
